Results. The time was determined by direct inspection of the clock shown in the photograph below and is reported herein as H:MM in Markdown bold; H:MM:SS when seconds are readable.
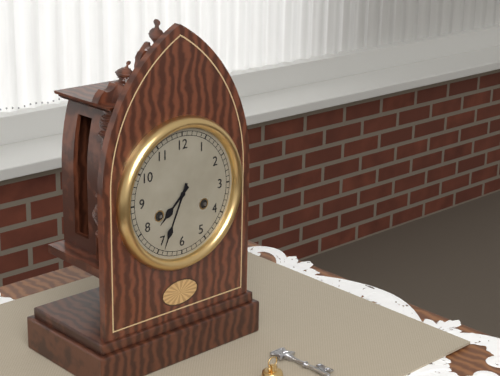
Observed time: **7:34**
